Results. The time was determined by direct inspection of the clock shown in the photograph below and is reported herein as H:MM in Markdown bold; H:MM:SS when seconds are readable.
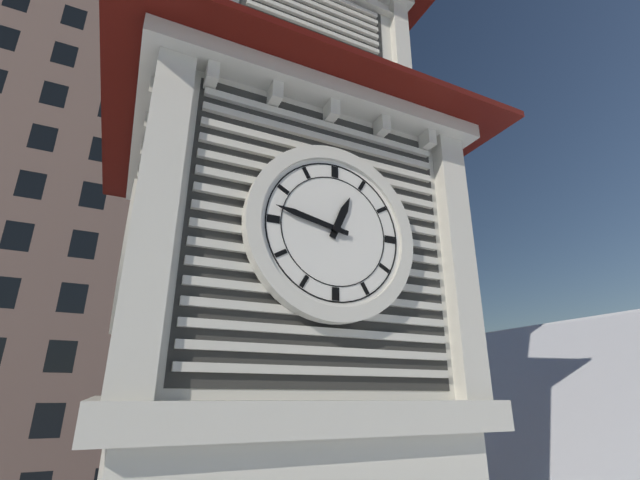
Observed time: **12:47**
